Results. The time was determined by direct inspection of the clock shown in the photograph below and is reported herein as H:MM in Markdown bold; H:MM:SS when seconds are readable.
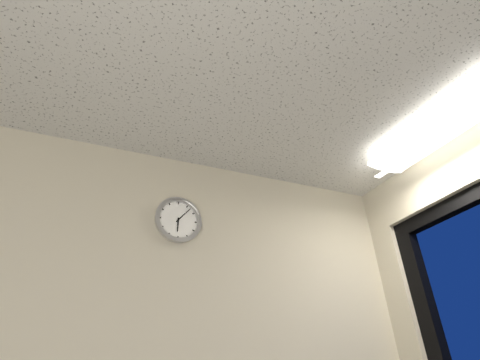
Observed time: **6:07**
